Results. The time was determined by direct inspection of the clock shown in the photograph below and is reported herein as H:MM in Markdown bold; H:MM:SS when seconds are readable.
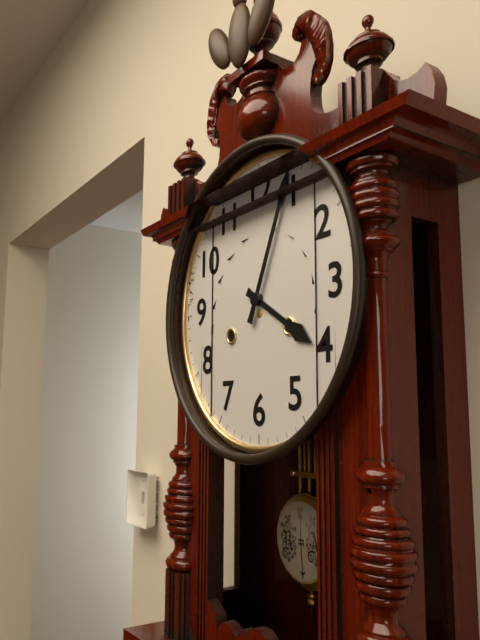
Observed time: **4:04**
